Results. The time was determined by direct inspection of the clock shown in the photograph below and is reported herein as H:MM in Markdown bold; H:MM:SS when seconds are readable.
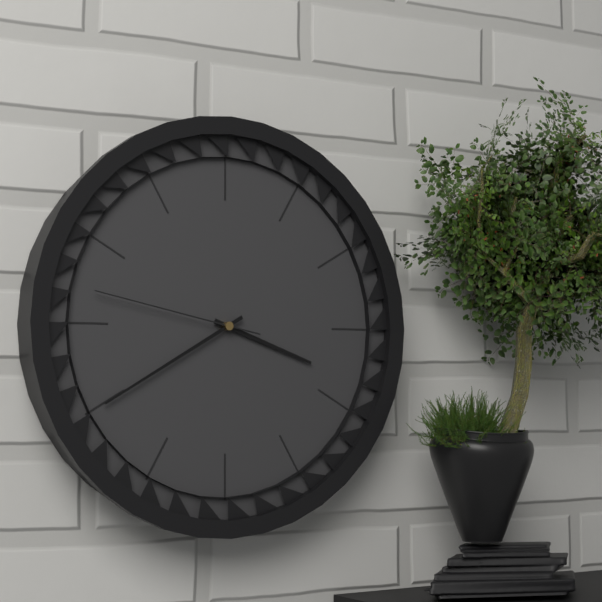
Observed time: **3:40:47**
